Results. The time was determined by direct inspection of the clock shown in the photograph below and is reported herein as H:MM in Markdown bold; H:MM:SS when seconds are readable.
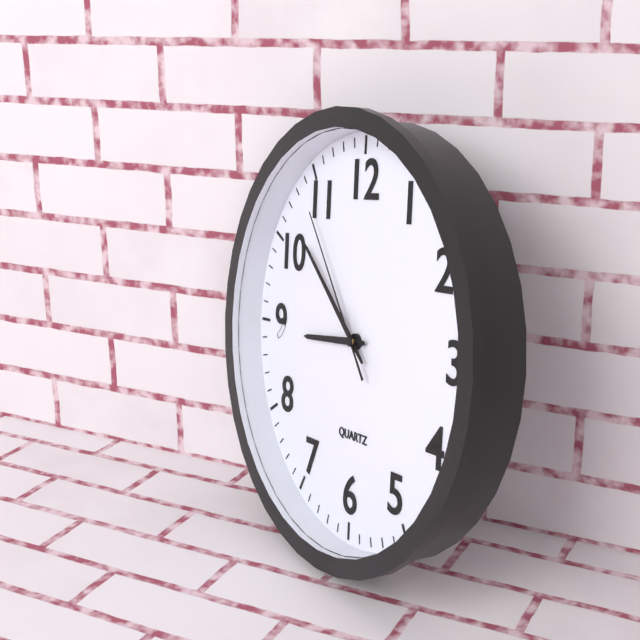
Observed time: **8:52:54**
